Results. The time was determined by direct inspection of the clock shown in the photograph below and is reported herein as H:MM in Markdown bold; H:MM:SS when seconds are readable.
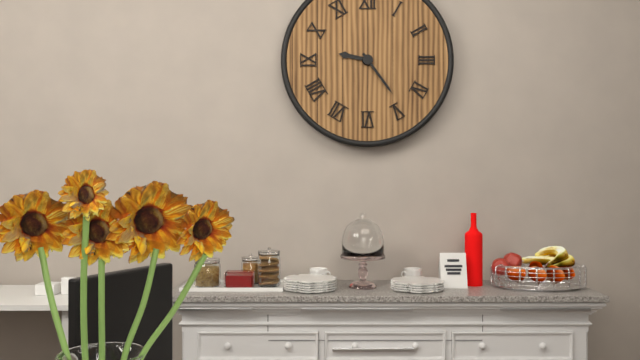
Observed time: **9:24**
